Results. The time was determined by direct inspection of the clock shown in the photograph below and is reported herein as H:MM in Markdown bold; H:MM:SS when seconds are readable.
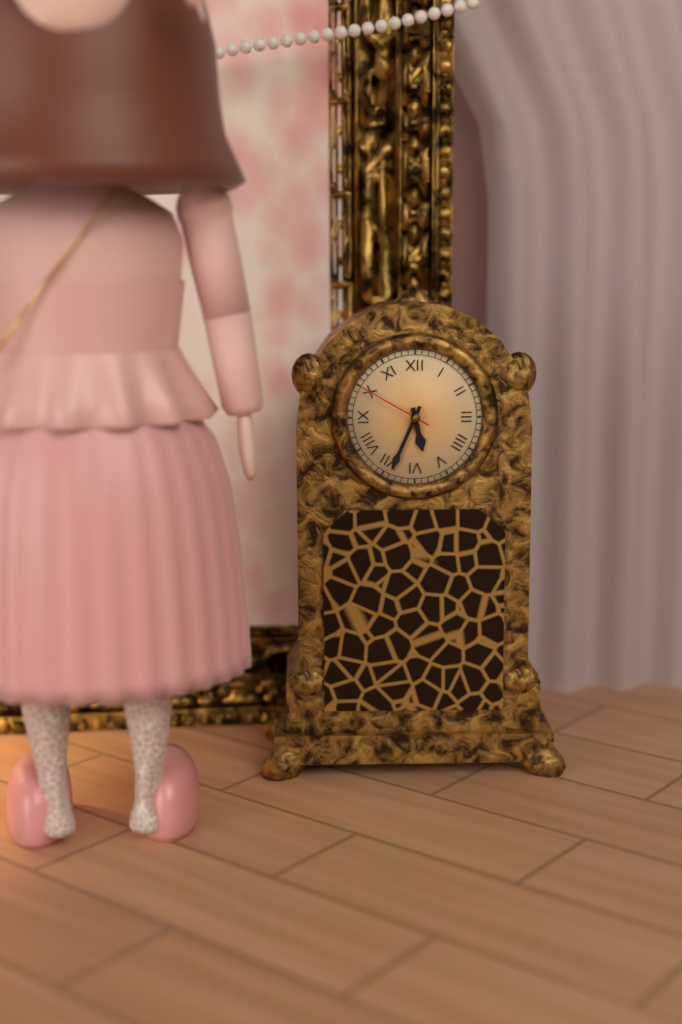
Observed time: **5:34:50**
